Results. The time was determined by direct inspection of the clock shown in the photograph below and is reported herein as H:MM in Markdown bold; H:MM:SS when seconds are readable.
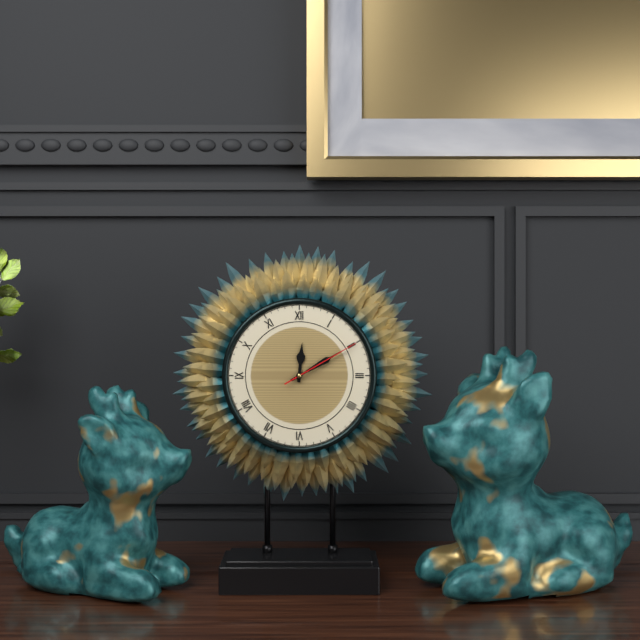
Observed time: **12:10:10**
